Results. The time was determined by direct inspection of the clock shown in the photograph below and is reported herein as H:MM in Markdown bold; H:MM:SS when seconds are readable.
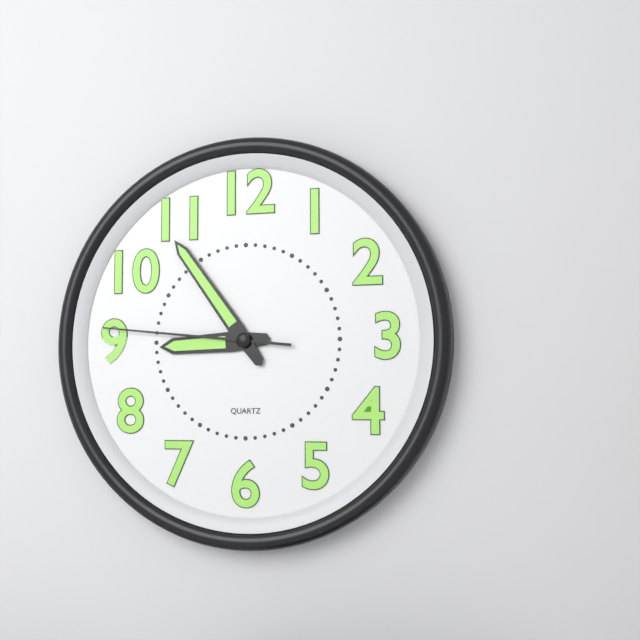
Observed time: **8:54:46**
